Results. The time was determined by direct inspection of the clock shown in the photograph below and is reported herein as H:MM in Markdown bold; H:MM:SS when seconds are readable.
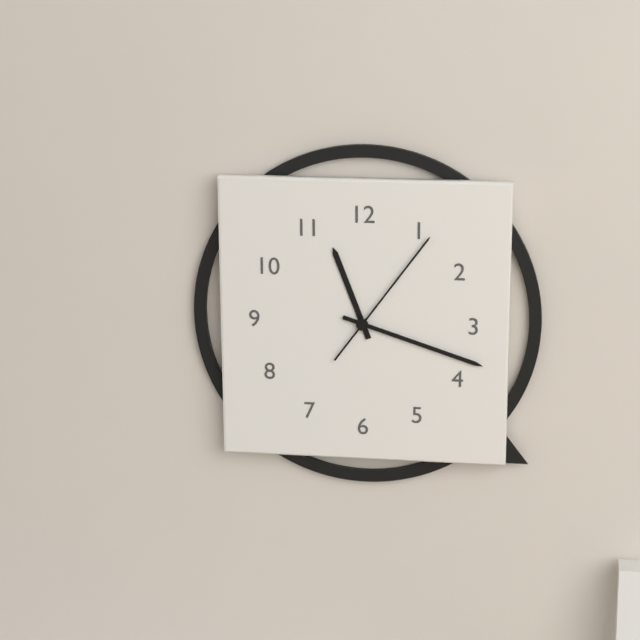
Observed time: **11:18:06**
